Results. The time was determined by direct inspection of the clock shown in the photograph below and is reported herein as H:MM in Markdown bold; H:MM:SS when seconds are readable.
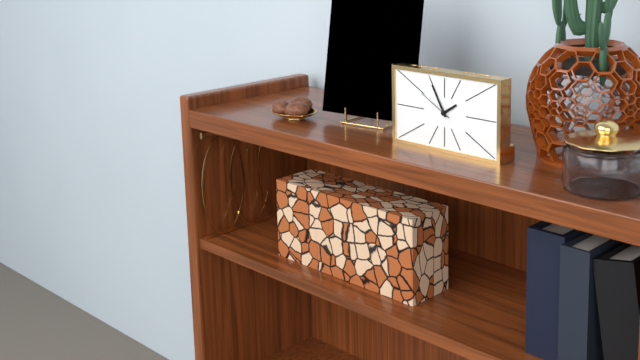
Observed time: **1:55**
